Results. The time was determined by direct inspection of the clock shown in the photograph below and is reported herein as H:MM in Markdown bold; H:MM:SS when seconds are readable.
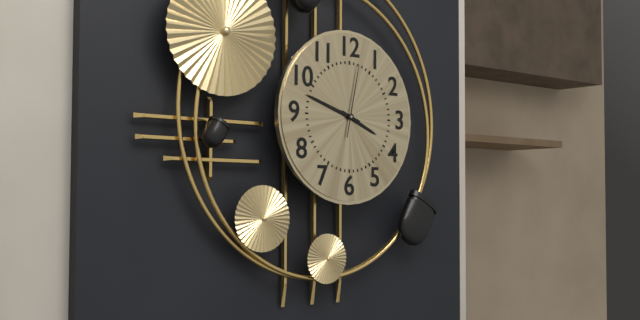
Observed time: **3:48:02**
